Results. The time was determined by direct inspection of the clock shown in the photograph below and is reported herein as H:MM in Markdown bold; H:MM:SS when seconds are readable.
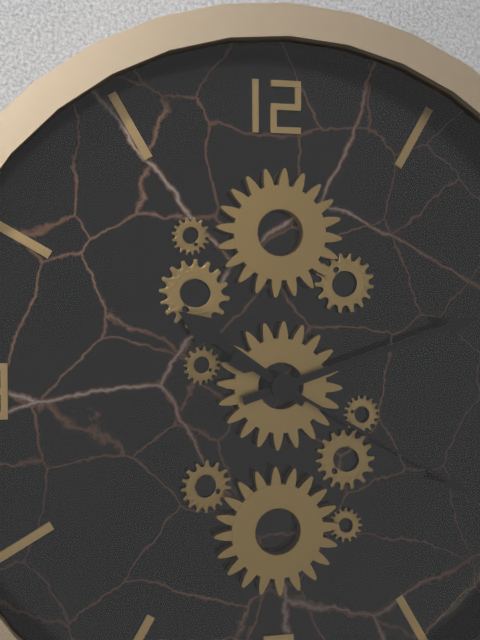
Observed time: **10:12:20**
